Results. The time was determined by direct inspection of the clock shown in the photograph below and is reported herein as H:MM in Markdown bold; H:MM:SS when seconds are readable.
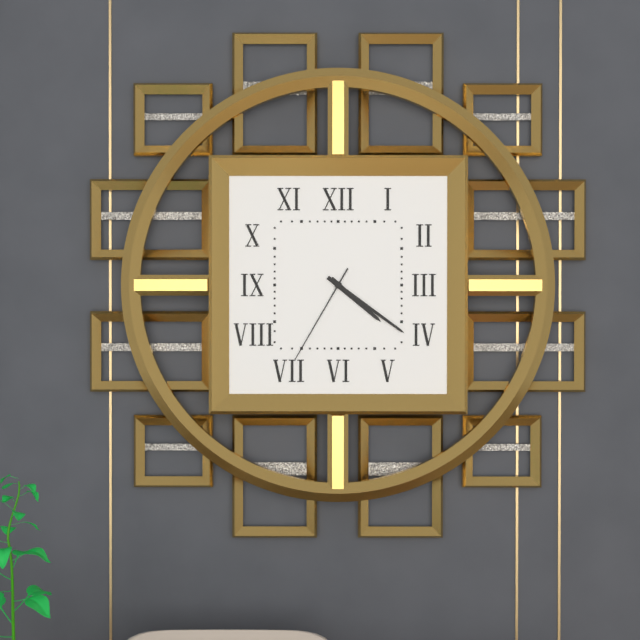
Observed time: **4:21:35**
